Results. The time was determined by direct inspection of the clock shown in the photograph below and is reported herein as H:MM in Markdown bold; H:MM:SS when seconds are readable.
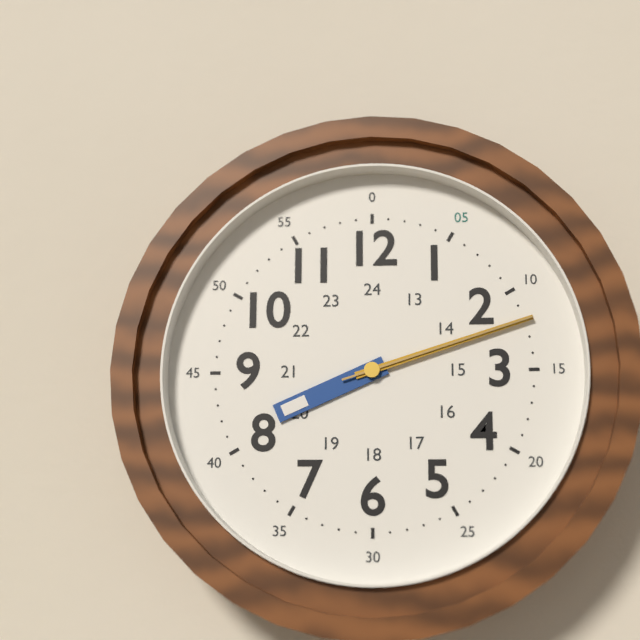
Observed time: **8:12:12**
